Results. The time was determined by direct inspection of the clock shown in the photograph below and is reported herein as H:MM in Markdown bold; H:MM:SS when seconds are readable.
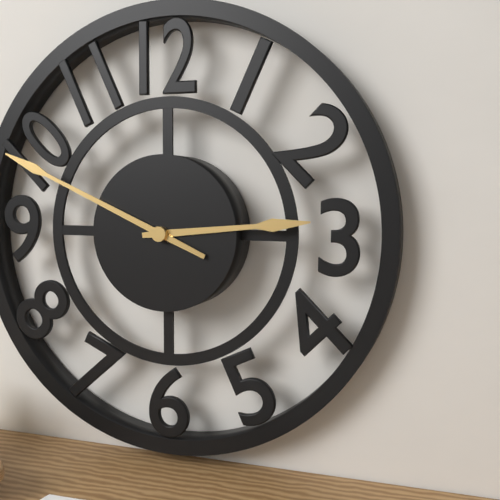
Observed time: **2:49**
